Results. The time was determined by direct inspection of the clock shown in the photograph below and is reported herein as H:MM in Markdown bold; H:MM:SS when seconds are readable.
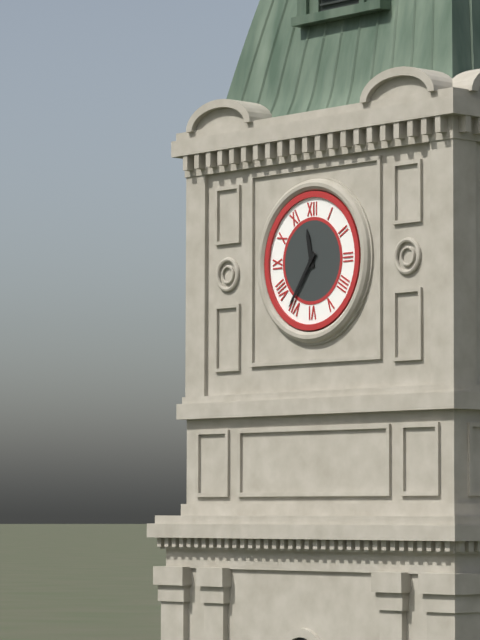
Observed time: **11:36**
